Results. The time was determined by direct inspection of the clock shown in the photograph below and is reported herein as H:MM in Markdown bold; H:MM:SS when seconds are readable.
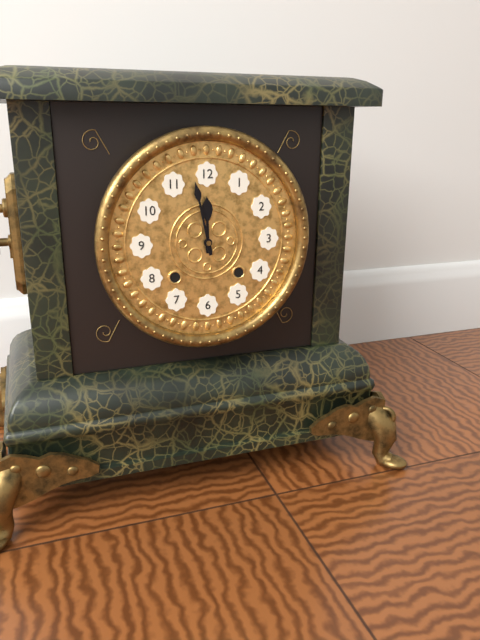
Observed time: **11:58**
